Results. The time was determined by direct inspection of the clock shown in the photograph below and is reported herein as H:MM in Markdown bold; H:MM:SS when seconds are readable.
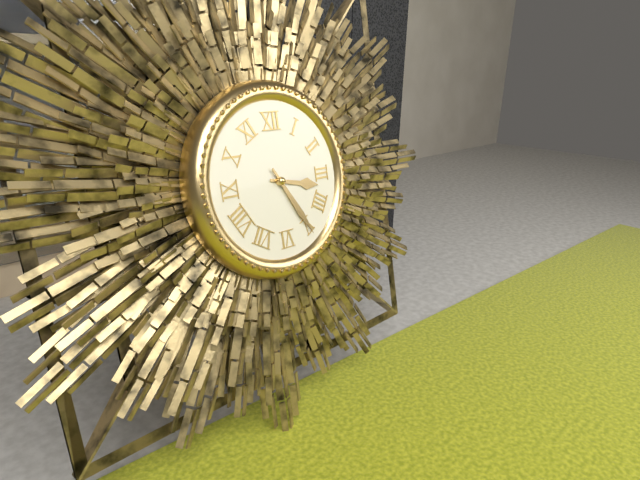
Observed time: **3:25**
